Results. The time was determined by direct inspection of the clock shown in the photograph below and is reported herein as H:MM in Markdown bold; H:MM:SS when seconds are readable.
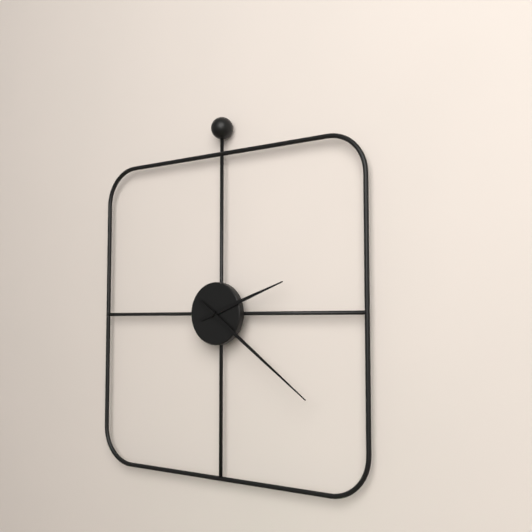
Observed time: **2:21**
